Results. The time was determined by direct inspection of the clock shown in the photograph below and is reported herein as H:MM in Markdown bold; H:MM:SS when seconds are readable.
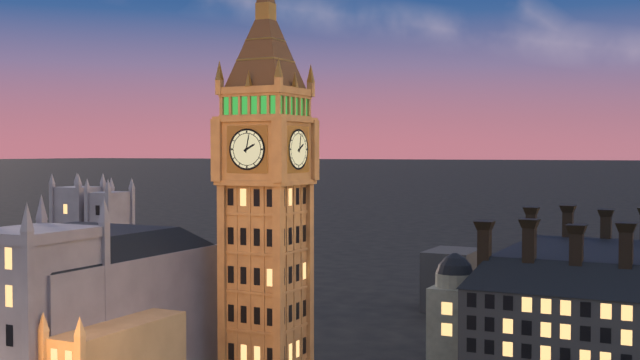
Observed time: **2:02**
